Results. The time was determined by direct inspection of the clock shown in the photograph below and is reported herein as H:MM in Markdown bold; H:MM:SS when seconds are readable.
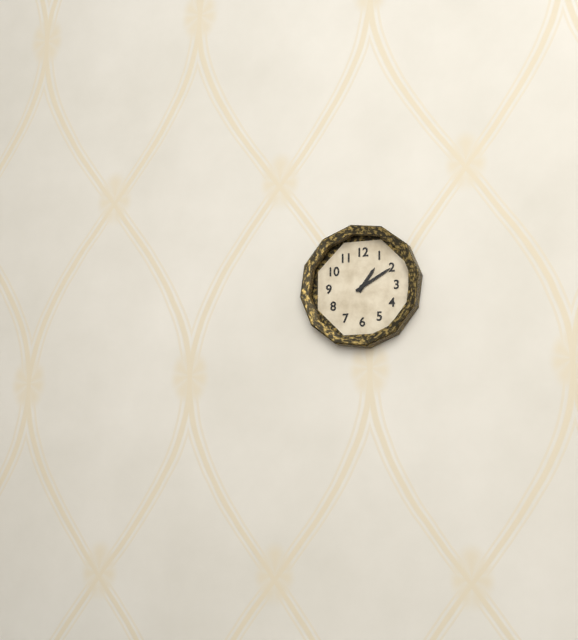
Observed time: **1:10**
